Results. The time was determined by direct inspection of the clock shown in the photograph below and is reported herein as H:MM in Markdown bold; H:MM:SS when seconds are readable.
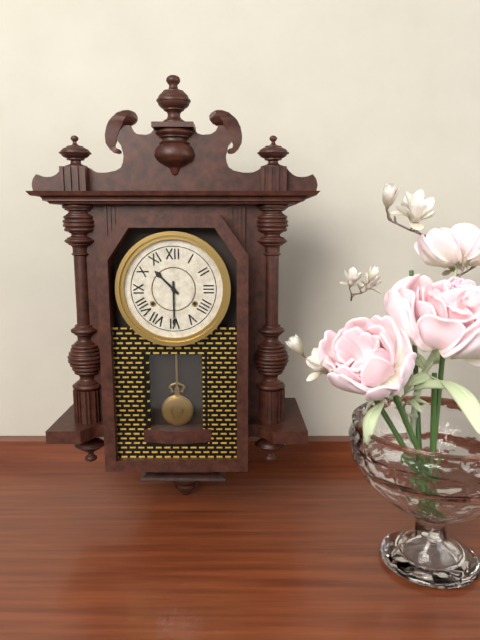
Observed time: **10:30**
